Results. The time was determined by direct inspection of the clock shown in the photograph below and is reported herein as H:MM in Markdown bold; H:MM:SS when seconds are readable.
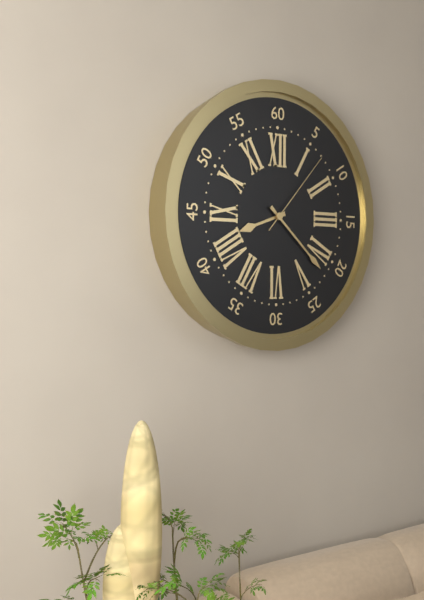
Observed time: **8:22:07**
